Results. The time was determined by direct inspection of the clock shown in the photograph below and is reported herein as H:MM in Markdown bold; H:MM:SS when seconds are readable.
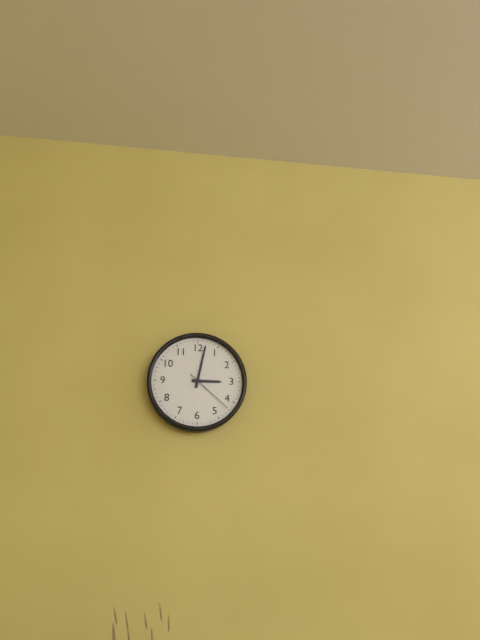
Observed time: **3:02:22**
